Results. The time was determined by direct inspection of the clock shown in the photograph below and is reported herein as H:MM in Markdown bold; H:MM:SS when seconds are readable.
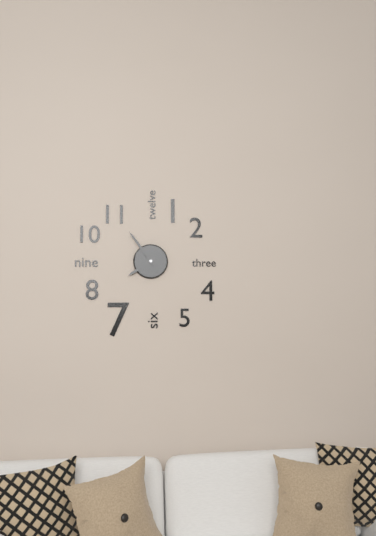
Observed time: **7:54**
